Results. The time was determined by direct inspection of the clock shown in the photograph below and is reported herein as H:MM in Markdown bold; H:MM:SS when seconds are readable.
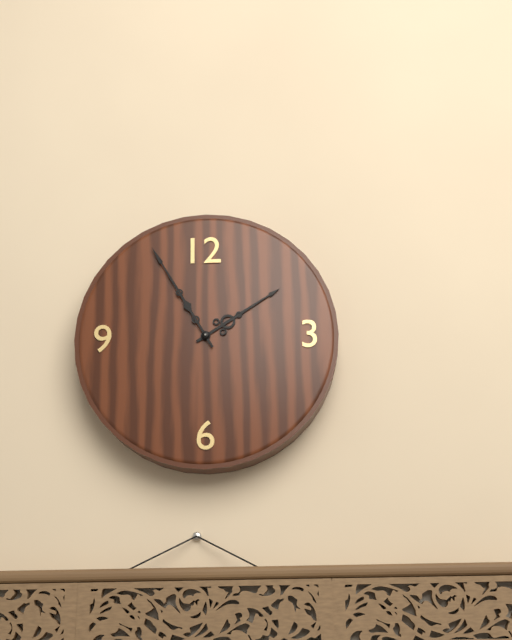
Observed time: **1:55**
